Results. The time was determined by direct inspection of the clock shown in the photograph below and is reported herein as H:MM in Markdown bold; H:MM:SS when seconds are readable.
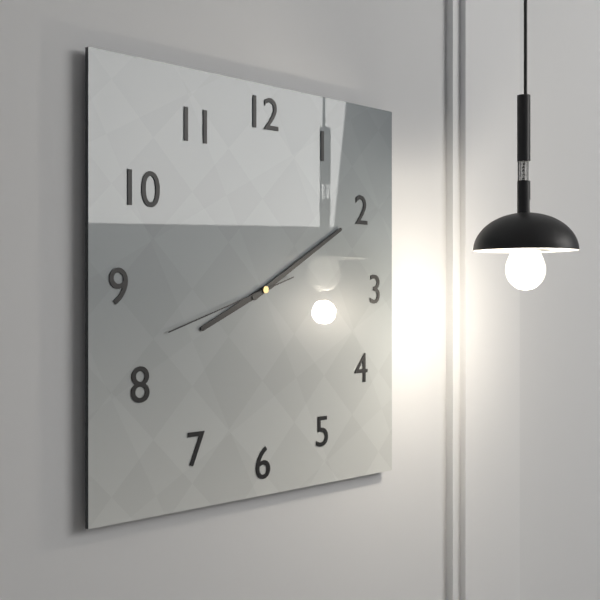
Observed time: **8:10:42**
